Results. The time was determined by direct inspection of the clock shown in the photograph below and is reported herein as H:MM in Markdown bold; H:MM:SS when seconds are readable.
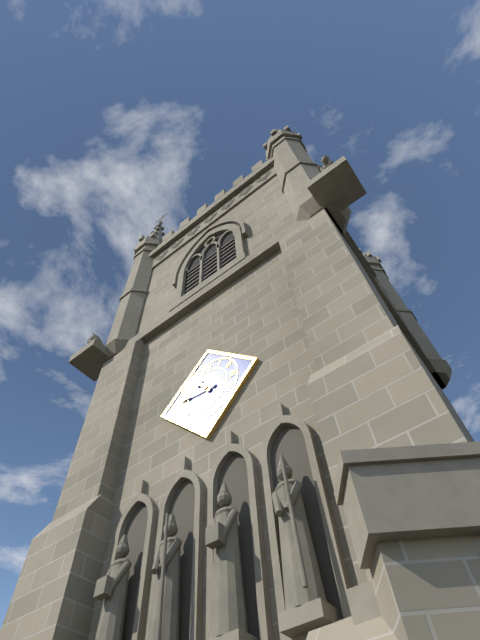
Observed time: **10:46**
